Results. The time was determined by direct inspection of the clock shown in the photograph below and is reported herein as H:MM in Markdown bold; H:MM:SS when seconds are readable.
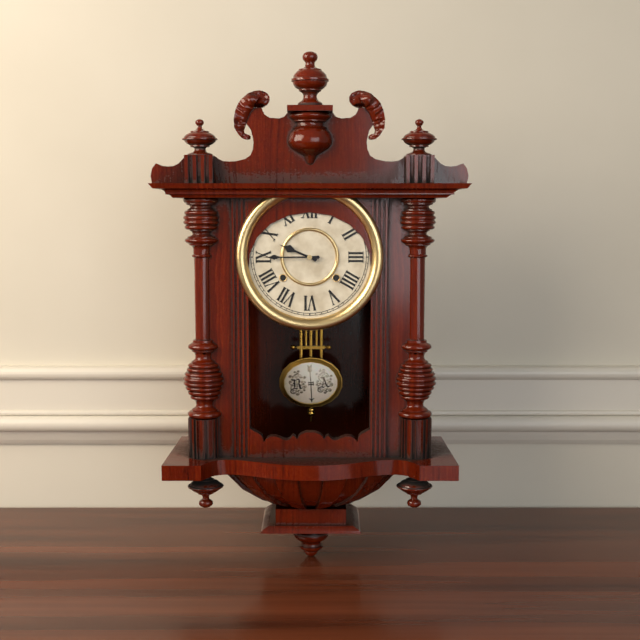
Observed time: **9:45**
